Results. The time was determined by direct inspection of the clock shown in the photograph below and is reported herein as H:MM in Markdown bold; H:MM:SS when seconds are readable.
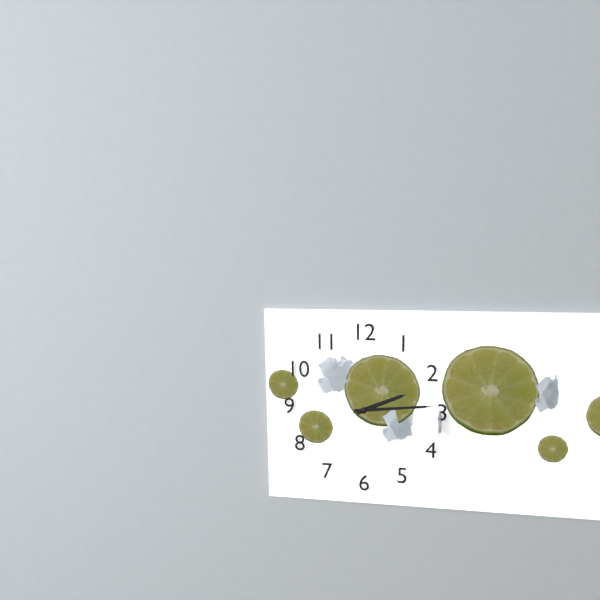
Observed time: **2:14**
